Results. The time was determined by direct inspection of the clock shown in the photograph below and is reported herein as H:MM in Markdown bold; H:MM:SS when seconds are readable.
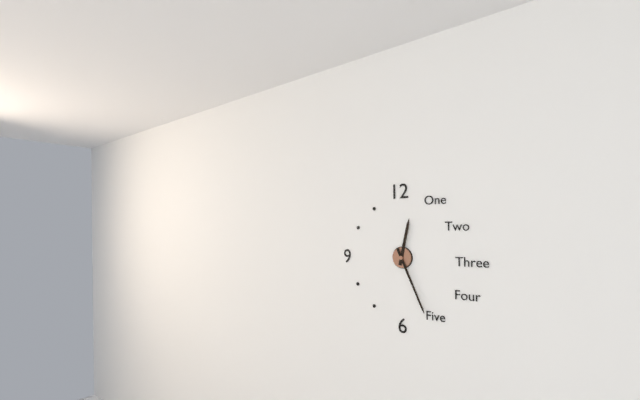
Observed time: **12:26**
